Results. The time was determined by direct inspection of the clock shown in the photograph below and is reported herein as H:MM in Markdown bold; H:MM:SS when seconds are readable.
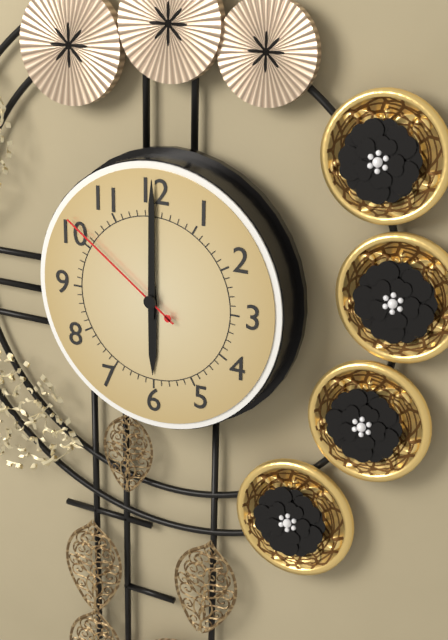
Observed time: **6:00:51**
